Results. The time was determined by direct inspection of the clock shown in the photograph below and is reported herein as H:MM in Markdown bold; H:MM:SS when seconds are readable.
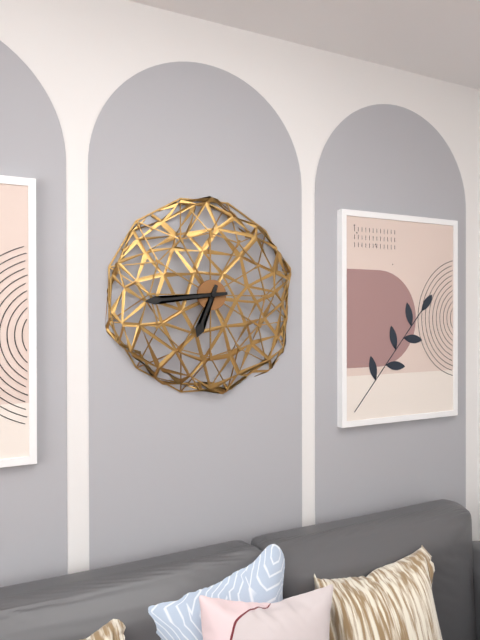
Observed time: **6:44**
